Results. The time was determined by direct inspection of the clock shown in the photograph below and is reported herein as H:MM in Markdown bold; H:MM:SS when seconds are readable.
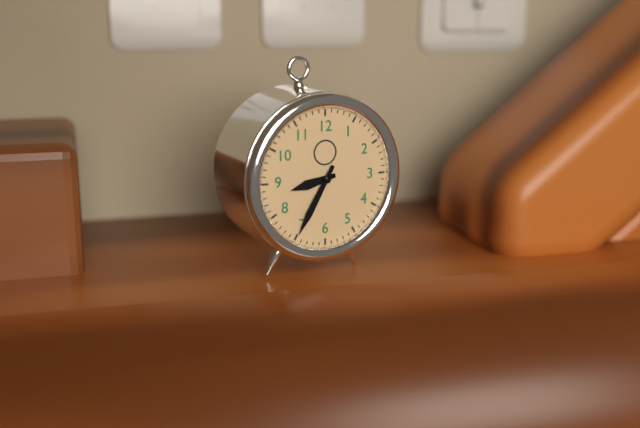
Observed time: **8:35**
